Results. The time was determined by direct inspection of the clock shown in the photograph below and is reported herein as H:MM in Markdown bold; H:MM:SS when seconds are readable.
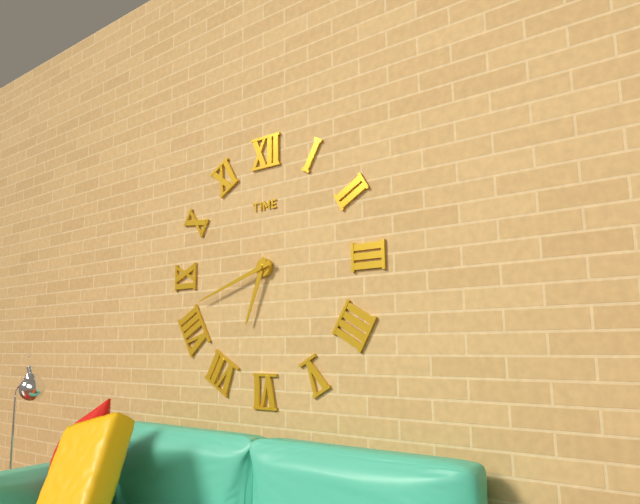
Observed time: **6:42**
